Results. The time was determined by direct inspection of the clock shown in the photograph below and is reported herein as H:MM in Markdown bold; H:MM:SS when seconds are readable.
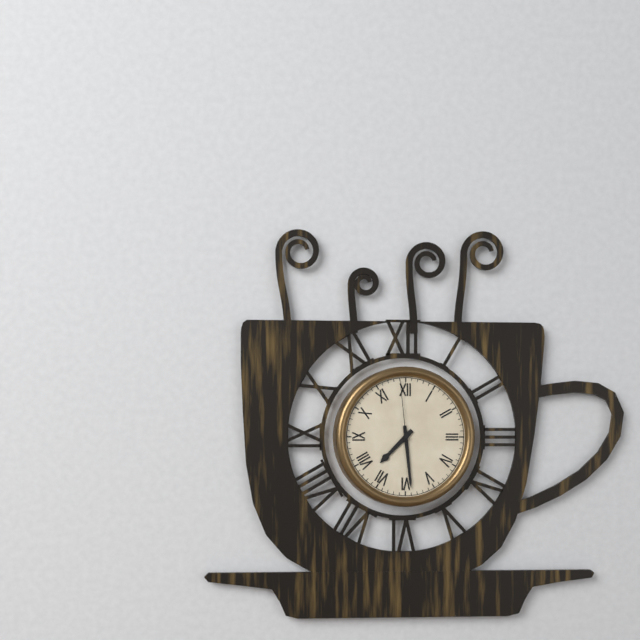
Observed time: **7:29:59**
